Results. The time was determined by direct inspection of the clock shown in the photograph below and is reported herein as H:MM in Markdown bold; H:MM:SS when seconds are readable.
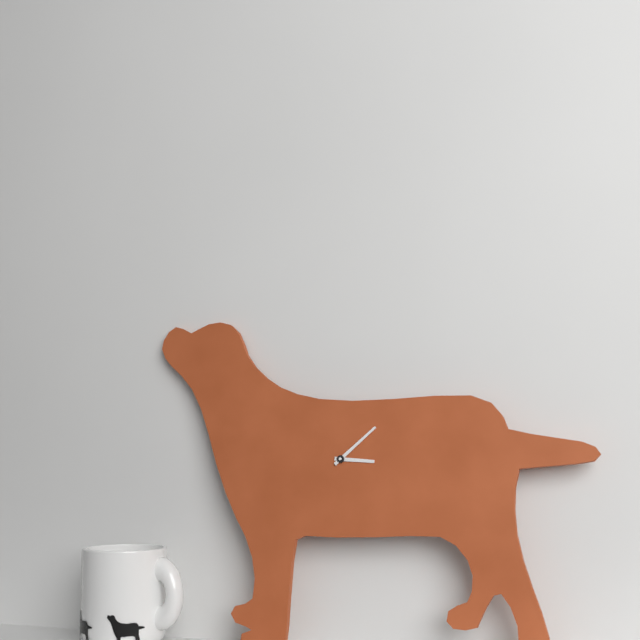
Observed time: **3:08**
